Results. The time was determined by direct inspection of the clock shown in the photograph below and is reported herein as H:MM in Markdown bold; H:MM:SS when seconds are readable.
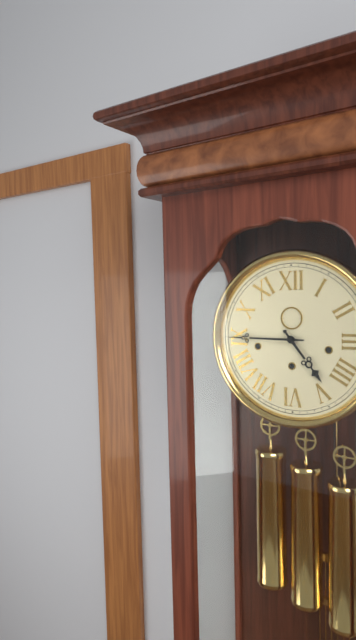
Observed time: **4:45**
